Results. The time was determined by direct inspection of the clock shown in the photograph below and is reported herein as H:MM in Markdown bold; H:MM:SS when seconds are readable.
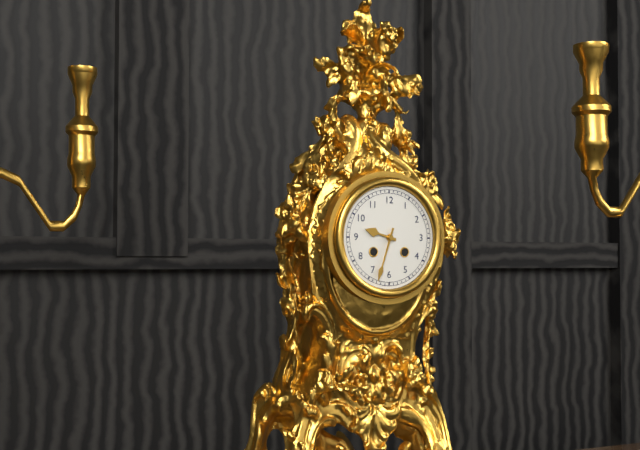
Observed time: **9:33**
